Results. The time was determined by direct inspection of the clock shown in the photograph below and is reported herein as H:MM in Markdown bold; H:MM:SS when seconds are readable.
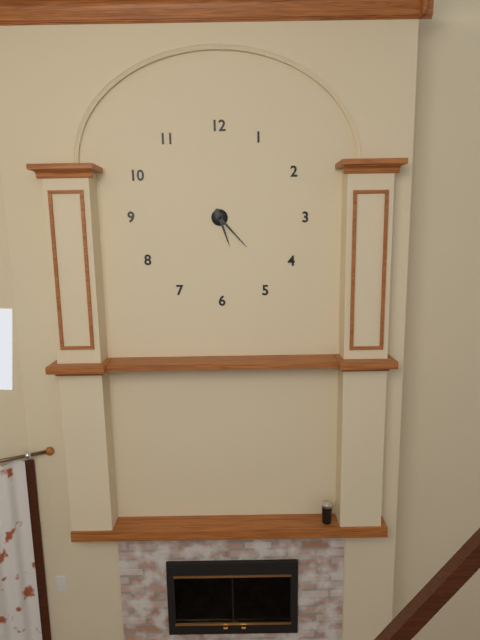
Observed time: **5:23**
